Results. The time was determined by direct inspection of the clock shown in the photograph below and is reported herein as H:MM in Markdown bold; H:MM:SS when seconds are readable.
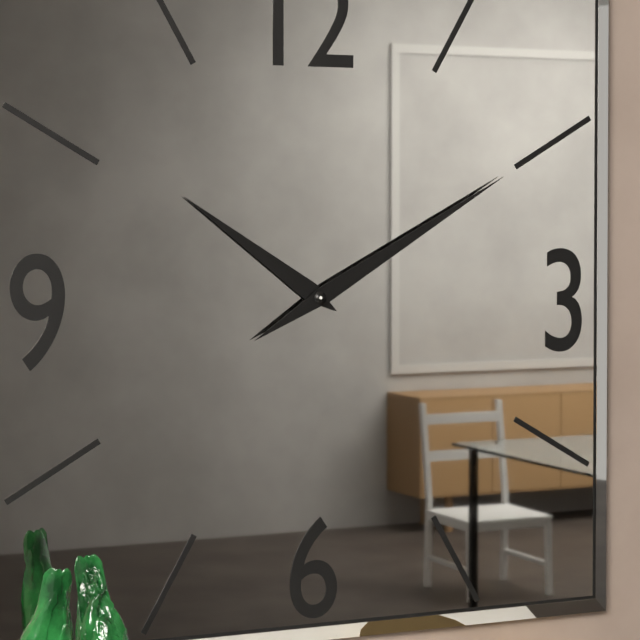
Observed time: **10:10**
